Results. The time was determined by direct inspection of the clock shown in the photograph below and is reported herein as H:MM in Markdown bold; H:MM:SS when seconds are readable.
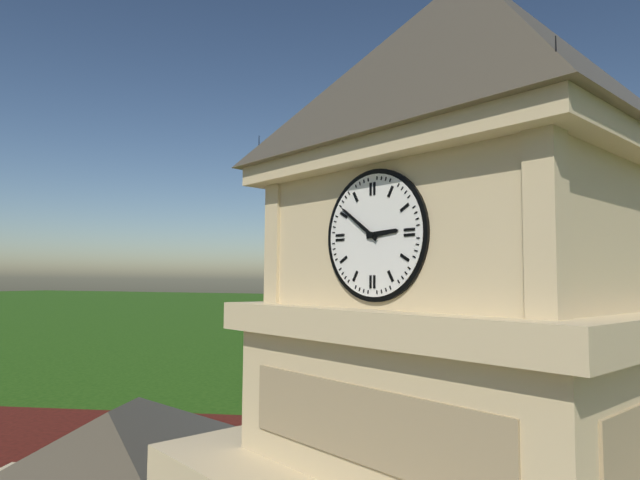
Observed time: **2:51**
